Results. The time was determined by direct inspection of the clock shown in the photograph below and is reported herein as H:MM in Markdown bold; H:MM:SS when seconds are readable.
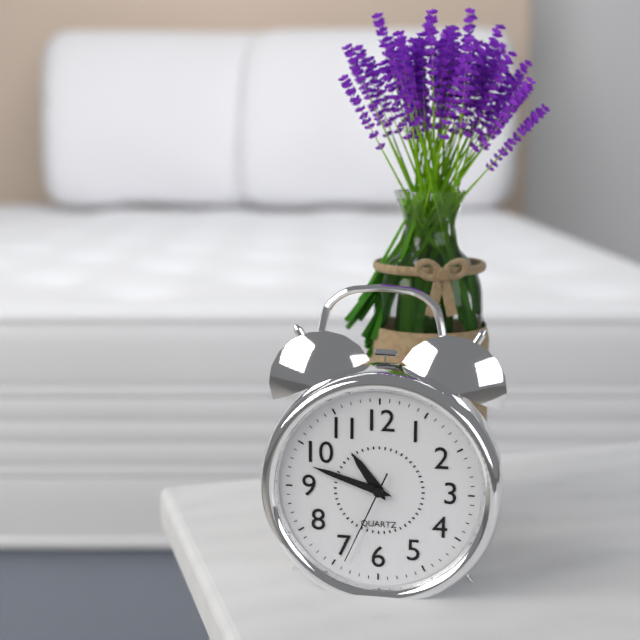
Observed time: **10:48:34**
